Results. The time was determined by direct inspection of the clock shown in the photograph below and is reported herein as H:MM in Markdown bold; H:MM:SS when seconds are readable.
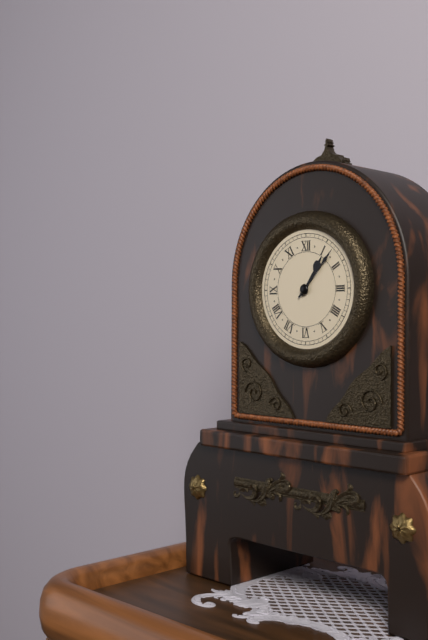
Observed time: **1:07**
